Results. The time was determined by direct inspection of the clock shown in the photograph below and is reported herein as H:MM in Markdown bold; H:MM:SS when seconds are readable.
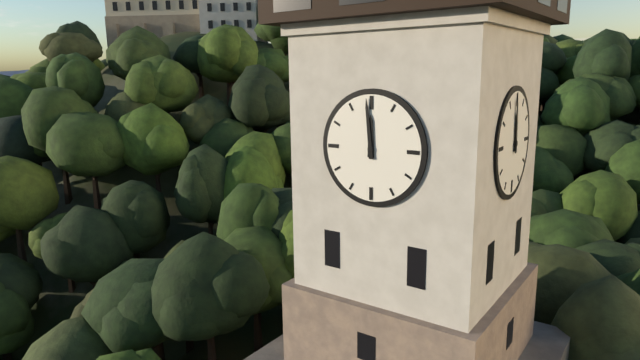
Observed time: **11:59**
